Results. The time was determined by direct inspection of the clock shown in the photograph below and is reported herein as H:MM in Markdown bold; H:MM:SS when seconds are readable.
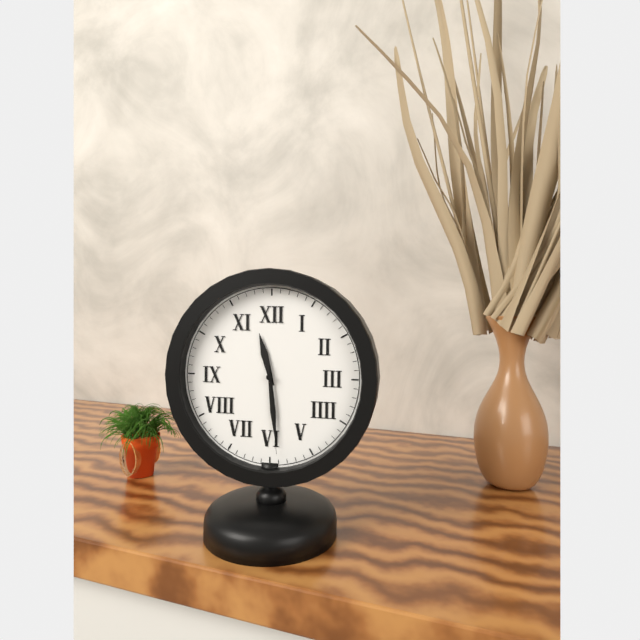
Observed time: **11:29:29**
